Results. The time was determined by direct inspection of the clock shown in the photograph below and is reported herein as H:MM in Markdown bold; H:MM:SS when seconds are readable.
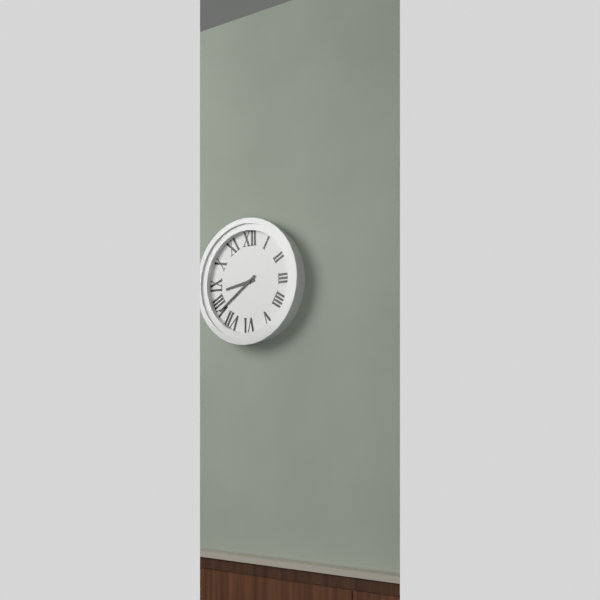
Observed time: **8:39**
